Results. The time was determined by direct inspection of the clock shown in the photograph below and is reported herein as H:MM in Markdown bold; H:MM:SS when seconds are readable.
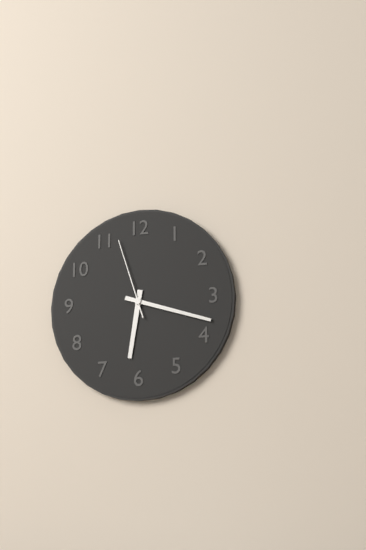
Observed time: **6:18:57**
